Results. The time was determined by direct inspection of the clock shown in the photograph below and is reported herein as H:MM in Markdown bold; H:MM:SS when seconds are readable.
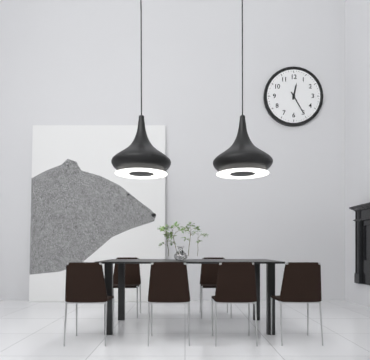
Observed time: **12:25**
